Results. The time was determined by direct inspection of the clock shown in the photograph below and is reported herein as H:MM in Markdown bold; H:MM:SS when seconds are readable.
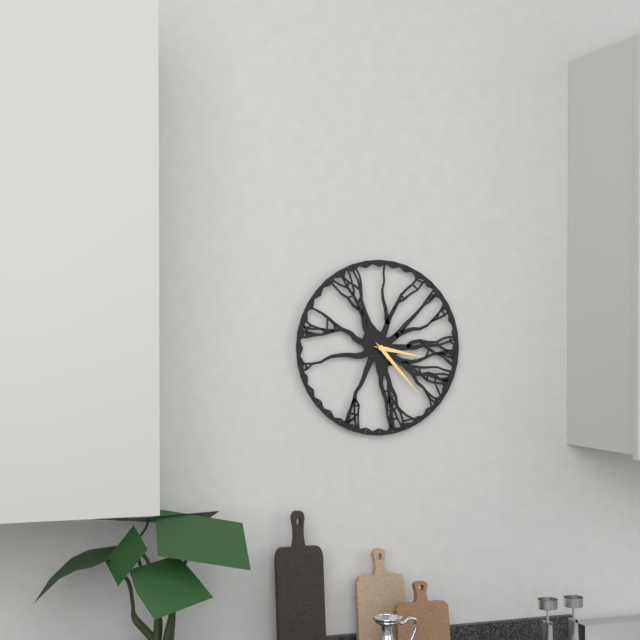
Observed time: **3:23**
